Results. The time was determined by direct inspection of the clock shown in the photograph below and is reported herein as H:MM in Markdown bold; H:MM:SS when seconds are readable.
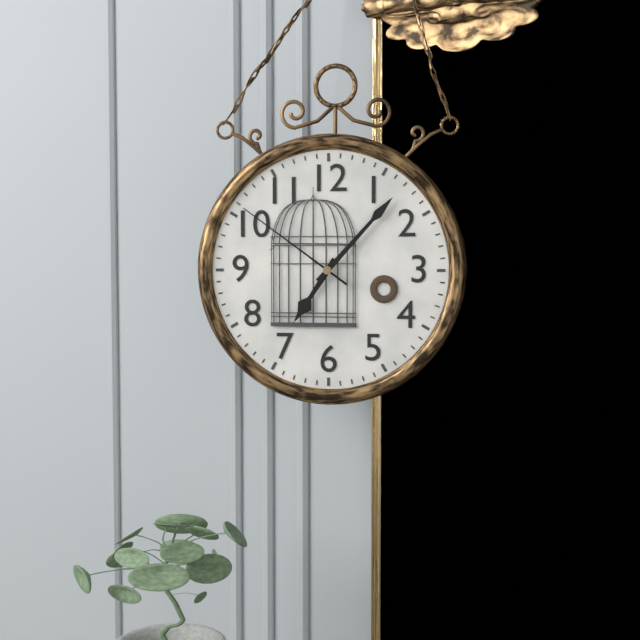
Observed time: **7:07:51**
